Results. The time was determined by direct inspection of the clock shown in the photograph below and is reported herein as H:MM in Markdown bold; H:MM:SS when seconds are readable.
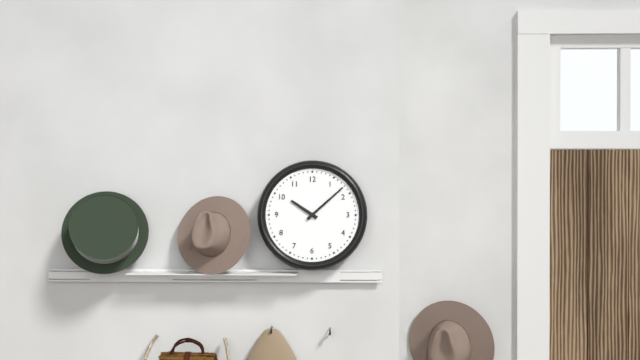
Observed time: **10:08**
